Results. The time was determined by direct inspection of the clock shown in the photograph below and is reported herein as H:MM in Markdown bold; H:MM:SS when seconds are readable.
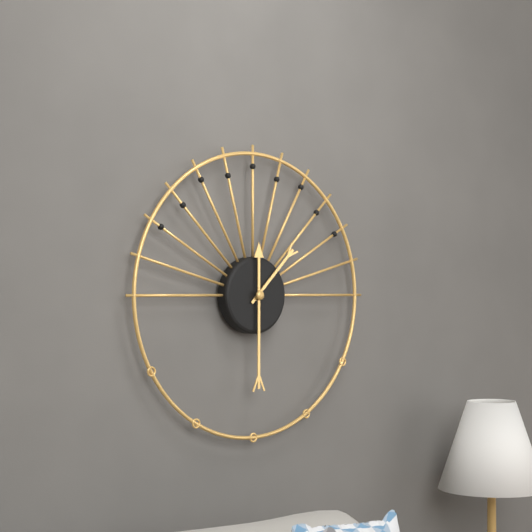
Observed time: **1:30**
